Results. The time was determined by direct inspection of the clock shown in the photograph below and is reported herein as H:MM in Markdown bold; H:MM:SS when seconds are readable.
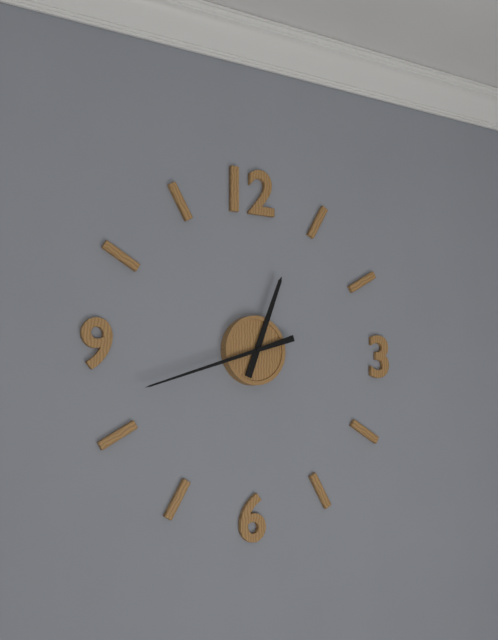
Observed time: **12:42**
